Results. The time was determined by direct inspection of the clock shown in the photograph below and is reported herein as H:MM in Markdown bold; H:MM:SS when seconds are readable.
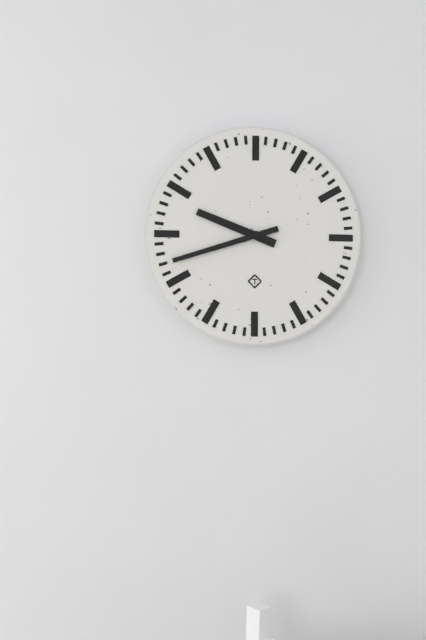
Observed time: **9:42**
